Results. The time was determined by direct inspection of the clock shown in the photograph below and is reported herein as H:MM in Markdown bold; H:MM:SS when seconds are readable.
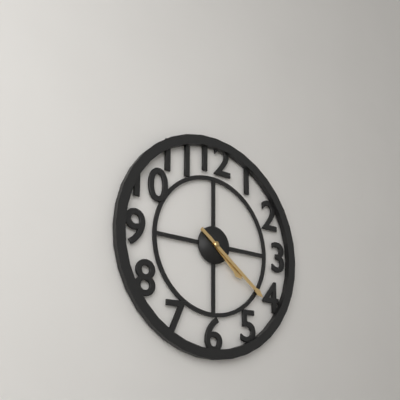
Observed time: **4:21**
